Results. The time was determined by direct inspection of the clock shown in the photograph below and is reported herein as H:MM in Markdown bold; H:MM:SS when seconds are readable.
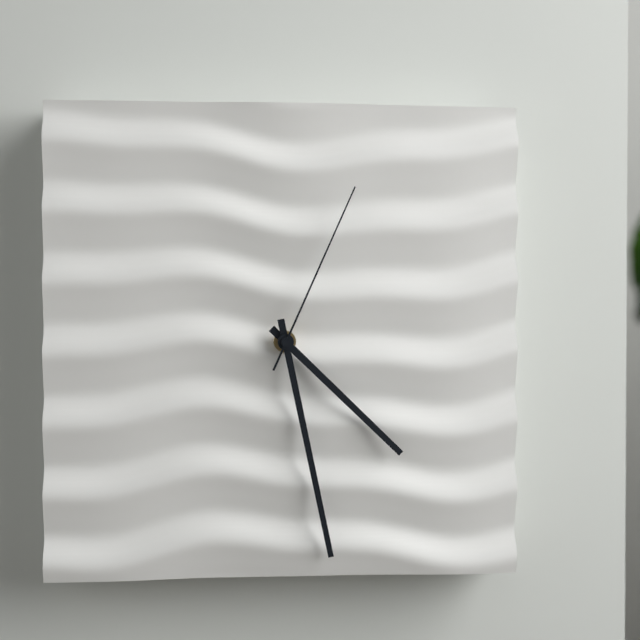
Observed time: **4:28:04**
